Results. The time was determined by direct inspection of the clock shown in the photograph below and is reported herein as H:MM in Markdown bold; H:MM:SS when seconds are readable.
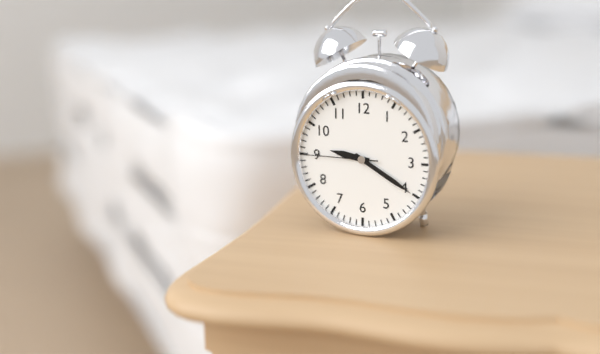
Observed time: **9:20:45**
